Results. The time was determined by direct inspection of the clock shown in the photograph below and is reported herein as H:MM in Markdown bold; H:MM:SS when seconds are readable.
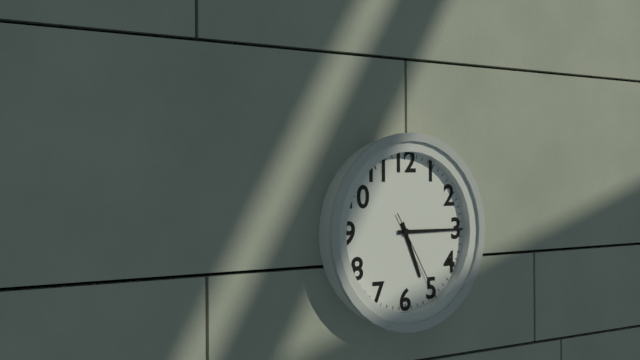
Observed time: **5:15:25**
